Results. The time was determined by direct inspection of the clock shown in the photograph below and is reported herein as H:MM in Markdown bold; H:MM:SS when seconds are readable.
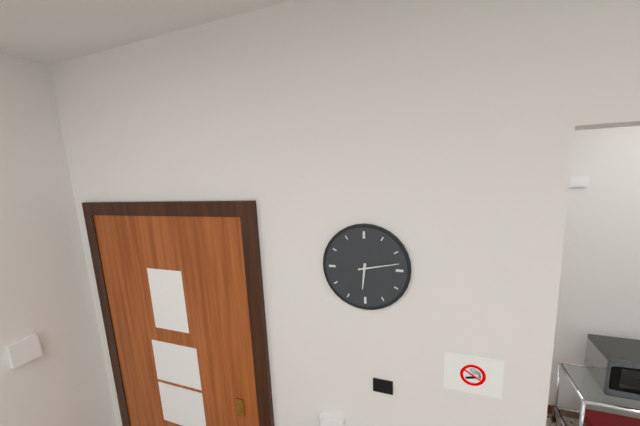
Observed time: **6:13**
